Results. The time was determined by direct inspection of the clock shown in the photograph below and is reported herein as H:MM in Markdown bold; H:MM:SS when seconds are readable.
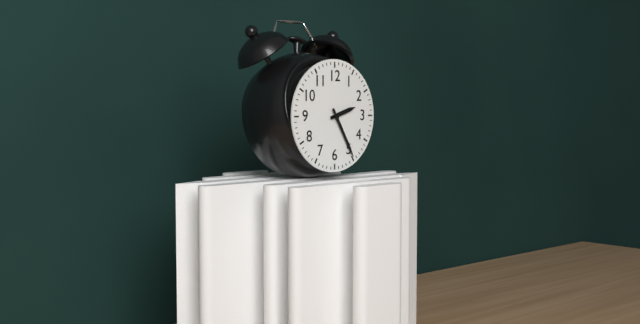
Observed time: **2:25**
